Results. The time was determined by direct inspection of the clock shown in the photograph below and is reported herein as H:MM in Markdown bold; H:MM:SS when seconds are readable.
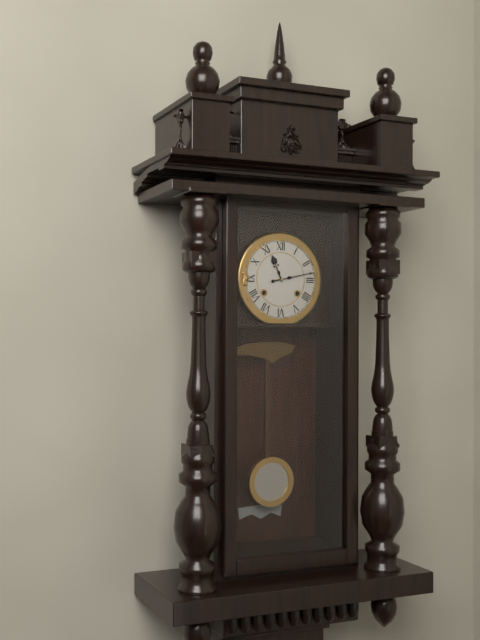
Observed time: **11:13**
